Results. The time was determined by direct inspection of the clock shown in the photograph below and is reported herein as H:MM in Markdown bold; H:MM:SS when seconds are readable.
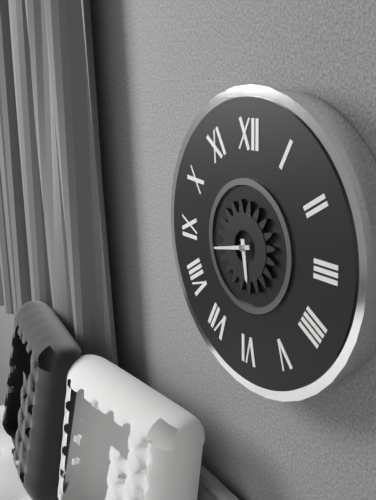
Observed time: **5:43**
